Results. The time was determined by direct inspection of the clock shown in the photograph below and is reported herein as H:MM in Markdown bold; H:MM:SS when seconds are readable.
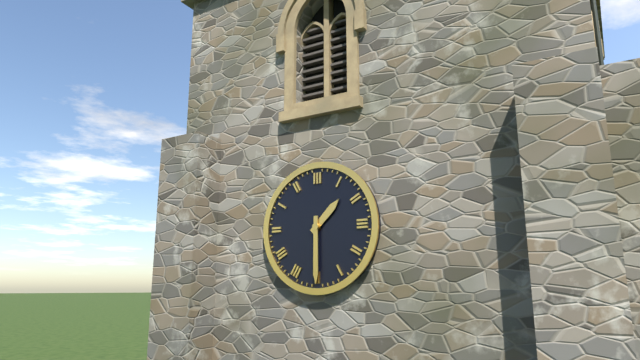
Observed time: **1:30**
